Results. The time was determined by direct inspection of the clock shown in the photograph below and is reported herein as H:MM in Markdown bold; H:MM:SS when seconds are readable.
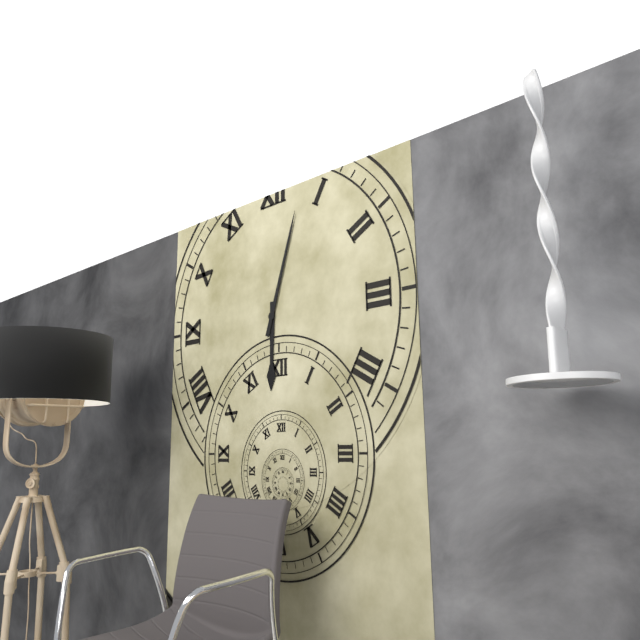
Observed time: **6:03**
